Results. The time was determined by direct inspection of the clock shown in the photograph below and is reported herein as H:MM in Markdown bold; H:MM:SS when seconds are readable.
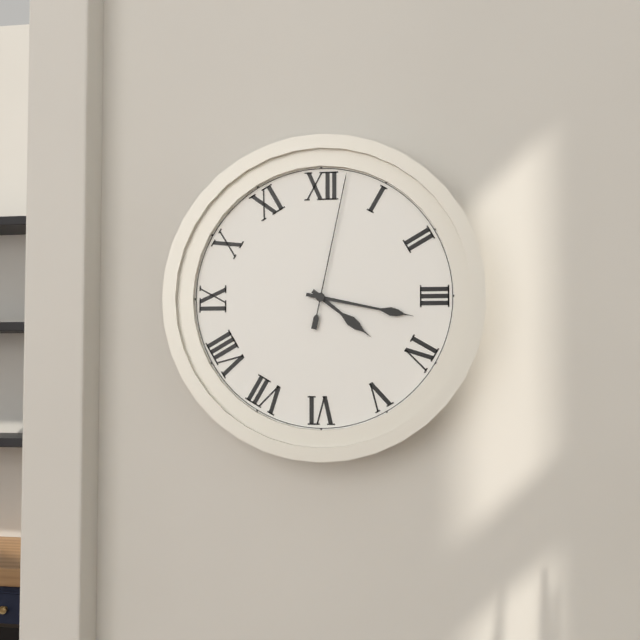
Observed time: **4:17:02**
